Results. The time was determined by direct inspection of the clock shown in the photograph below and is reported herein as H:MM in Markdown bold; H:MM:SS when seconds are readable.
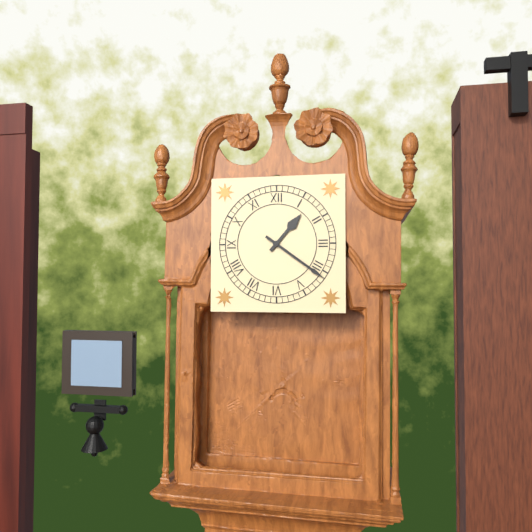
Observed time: **1:21**
